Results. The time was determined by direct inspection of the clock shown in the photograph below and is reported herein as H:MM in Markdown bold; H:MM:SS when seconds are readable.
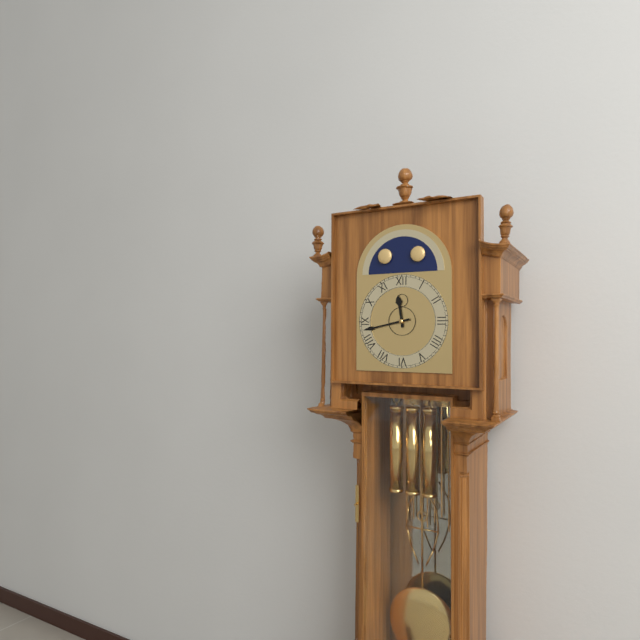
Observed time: **11:43**
